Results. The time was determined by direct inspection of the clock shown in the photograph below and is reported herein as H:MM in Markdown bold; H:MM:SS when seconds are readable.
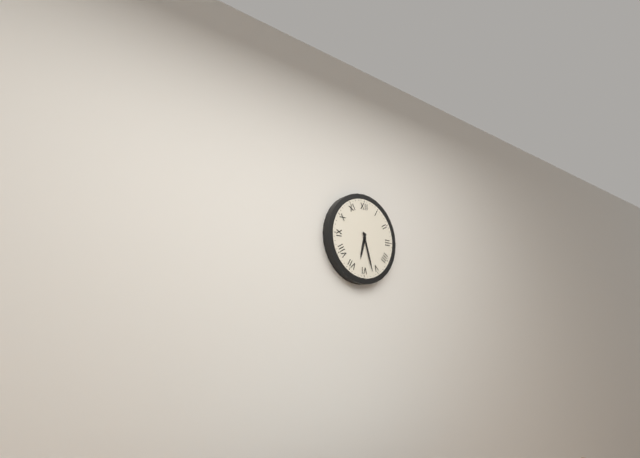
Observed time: **6:27**
